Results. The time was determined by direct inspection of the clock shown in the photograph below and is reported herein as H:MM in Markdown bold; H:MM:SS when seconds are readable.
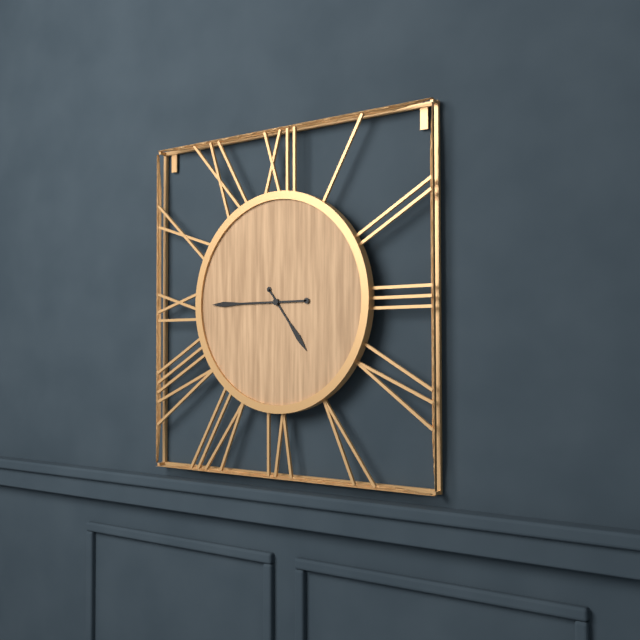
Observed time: **4:45**
